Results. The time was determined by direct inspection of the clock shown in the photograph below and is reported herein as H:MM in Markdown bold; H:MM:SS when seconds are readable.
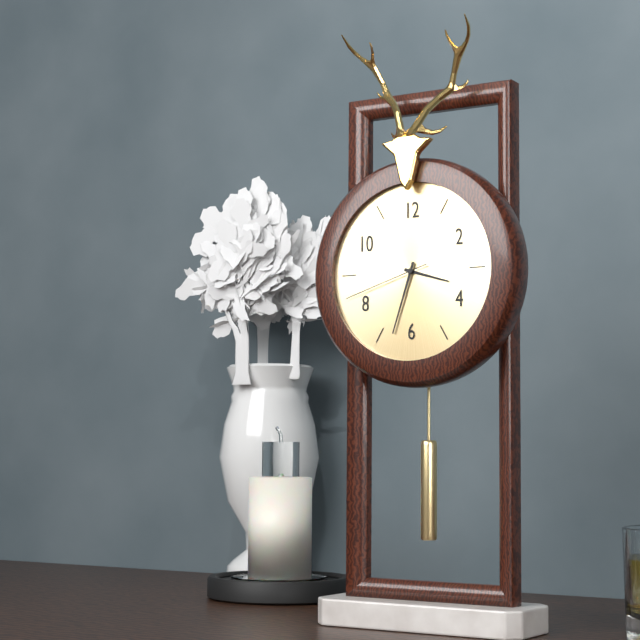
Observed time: **3:33:42**
